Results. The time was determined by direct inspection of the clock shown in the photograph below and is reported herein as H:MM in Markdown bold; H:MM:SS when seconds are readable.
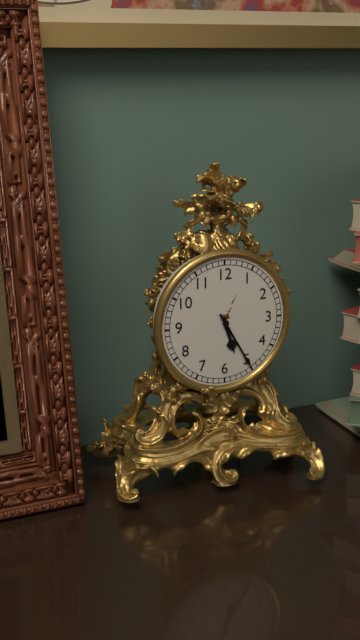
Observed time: **5:25**
